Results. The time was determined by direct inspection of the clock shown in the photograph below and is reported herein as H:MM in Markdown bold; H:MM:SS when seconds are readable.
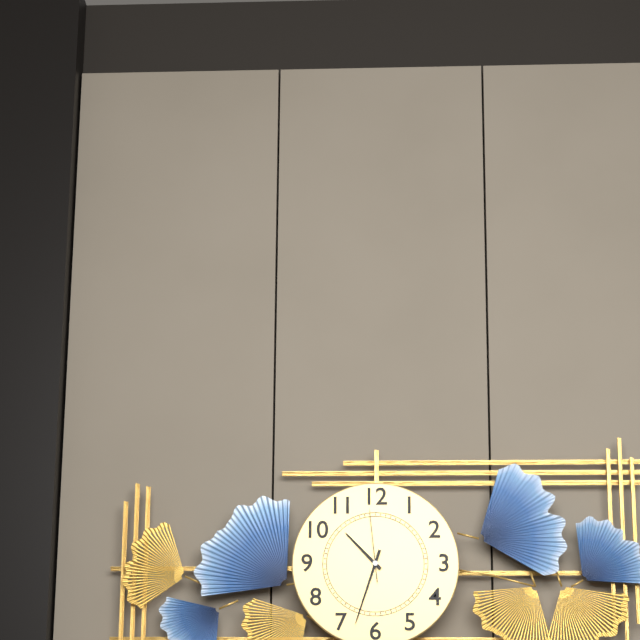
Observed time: **10:33:59**
